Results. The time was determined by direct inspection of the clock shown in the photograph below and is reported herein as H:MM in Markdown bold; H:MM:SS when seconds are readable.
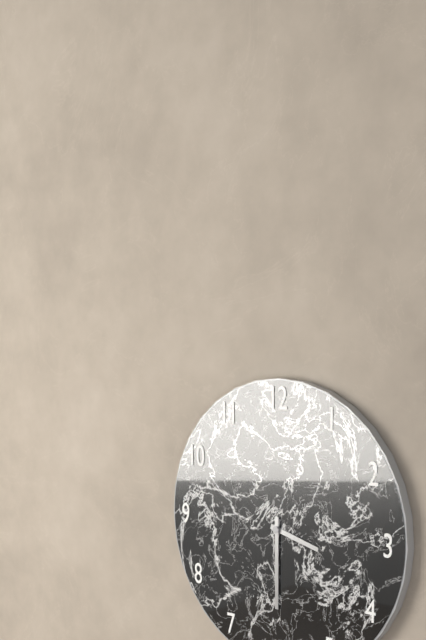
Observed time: **3:30**
